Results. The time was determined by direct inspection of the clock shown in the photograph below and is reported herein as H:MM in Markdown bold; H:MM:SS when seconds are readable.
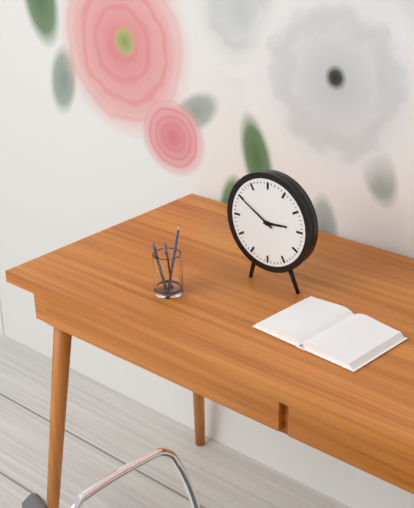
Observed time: **2:50**
